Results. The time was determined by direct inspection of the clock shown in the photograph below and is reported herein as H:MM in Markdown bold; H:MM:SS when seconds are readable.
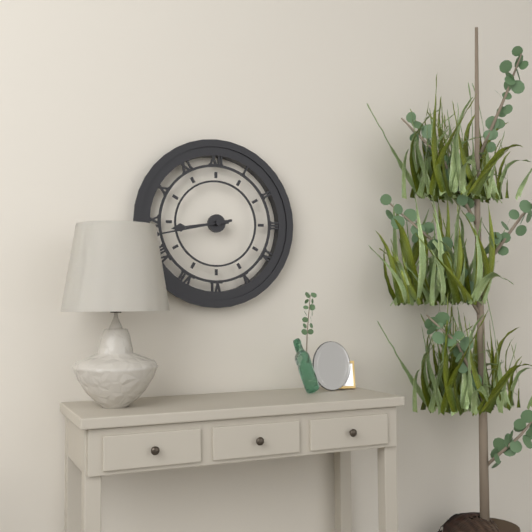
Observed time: **8:43**
